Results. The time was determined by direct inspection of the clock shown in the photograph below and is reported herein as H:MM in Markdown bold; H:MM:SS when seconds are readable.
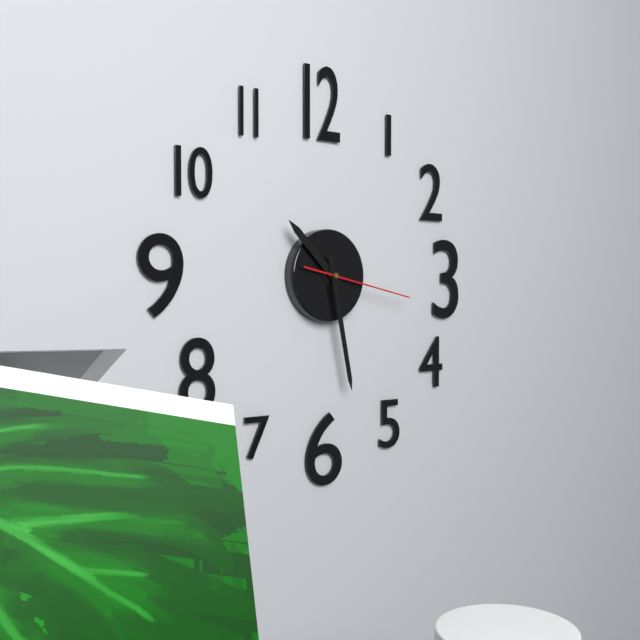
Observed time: **10:28:17**
